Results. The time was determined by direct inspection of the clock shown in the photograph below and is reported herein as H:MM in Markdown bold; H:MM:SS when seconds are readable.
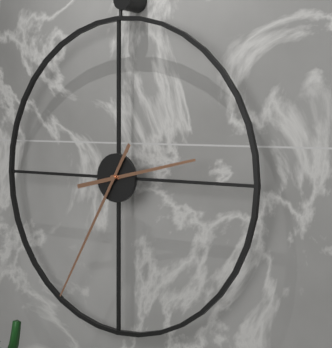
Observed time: **2:35**
